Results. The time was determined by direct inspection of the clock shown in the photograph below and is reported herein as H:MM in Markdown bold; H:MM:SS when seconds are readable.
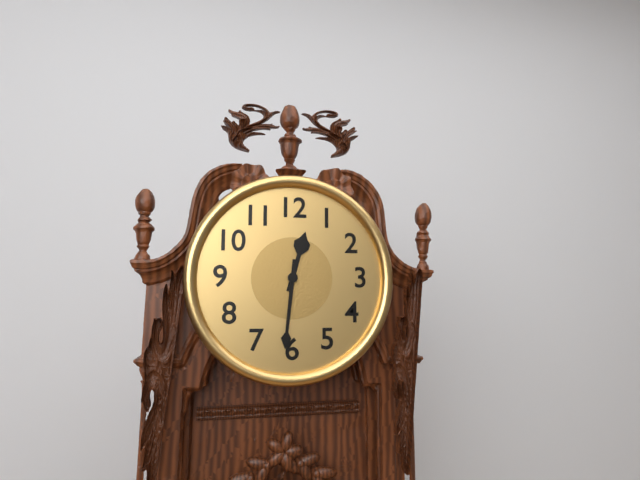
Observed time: **12:31**
